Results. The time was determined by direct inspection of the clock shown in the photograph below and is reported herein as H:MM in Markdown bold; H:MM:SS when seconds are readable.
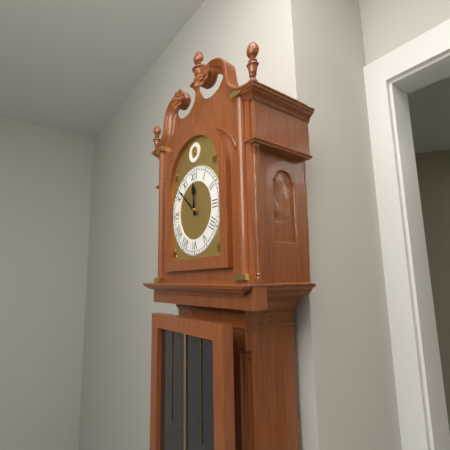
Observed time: **11:52**
